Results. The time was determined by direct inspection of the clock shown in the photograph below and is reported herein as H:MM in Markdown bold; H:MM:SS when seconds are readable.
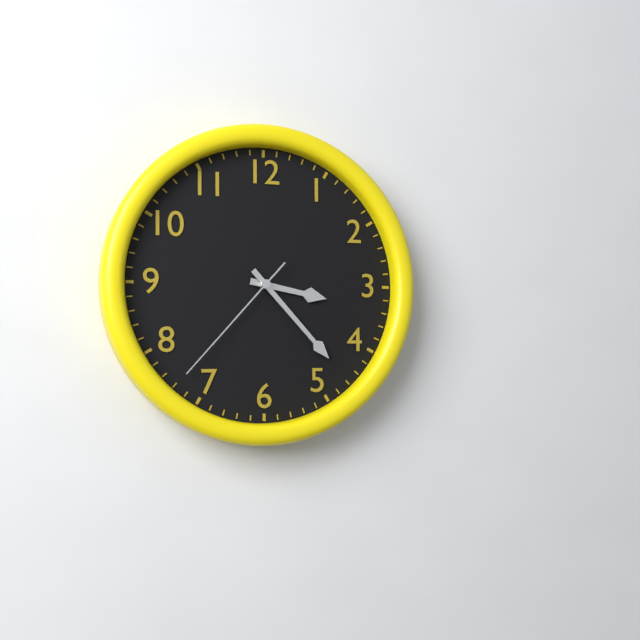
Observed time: **3:23:37**
